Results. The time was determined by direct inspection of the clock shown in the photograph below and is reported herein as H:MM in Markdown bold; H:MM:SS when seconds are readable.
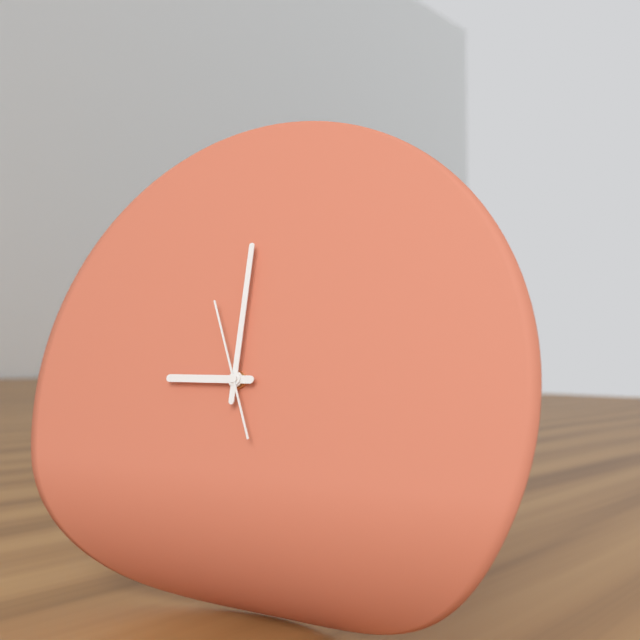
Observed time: **9:00:56**
